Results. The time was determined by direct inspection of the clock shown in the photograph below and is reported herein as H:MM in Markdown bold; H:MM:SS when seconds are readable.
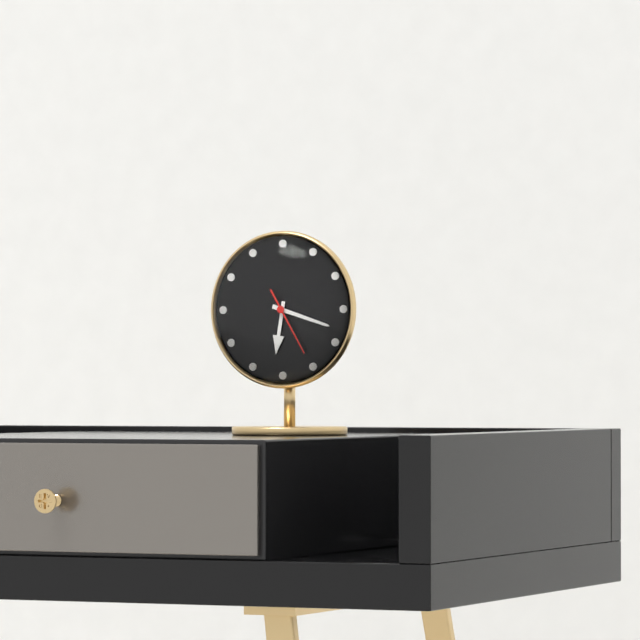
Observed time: **6:18:25**
